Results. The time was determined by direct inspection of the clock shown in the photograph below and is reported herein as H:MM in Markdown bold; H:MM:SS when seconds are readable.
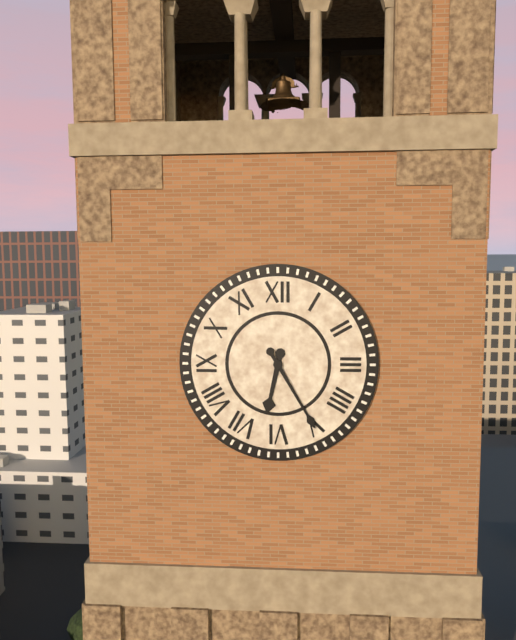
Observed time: **6:25**
